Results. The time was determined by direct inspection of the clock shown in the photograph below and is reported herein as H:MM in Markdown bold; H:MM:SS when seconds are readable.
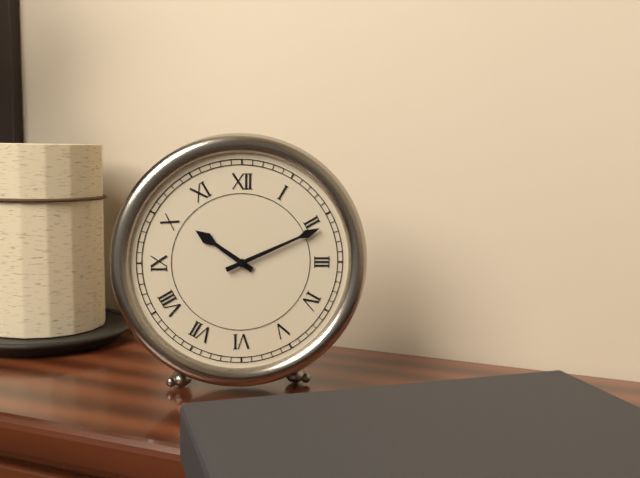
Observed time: **10:11**
